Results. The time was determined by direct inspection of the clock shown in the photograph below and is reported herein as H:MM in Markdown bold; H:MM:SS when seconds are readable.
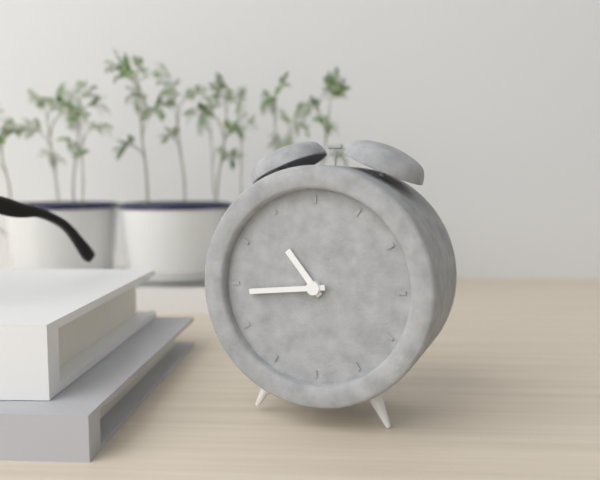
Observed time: **10:44**
